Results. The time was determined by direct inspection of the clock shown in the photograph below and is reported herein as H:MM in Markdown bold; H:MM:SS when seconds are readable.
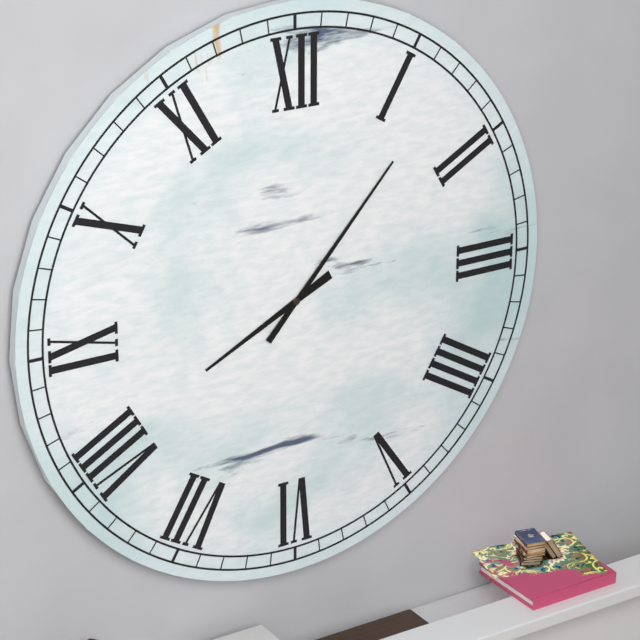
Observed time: **8:07**
